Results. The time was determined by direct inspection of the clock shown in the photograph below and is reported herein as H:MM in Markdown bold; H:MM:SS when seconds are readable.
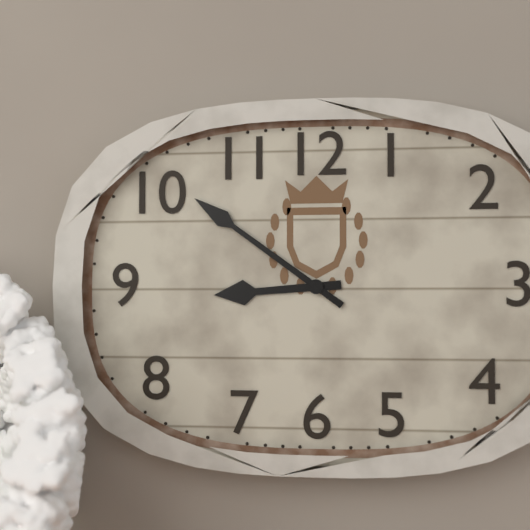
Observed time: **8:51**
